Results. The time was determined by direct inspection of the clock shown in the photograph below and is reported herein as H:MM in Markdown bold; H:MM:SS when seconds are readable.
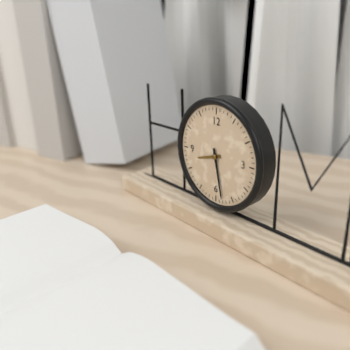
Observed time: **8:28**
